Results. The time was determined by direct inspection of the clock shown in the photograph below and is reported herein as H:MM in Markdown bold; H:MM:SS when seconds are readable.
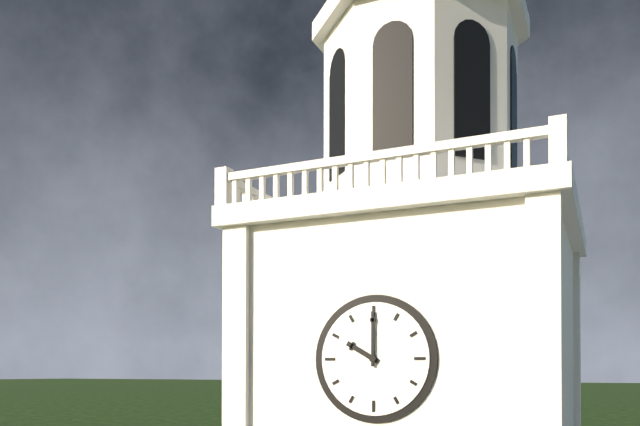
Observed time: **10:00**
